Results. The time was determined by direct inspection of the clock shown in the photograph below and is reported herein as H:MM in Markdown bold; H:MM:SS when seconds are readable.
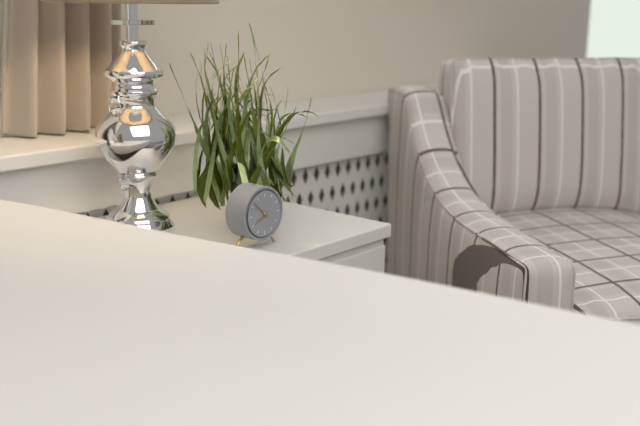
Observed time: **7:52**
